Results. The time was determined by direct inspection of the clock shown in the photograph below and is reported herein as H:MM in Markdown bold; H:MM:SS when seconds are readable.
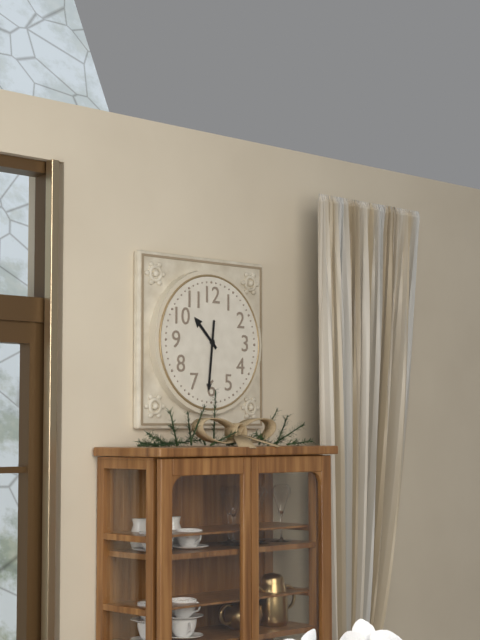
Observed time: **10:31**
